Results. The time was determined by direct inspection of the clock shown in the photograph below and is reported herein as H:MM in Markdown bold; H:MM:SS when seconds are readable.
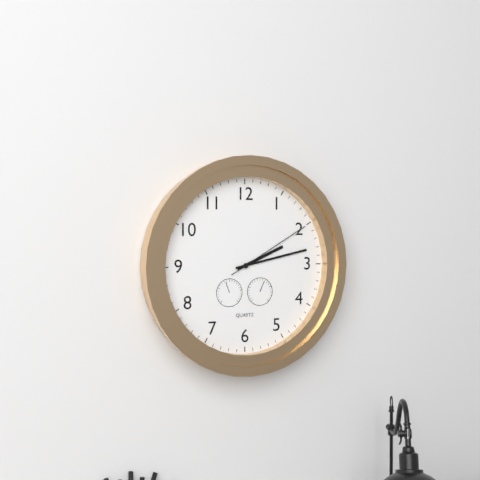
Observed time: **2:13:10**
